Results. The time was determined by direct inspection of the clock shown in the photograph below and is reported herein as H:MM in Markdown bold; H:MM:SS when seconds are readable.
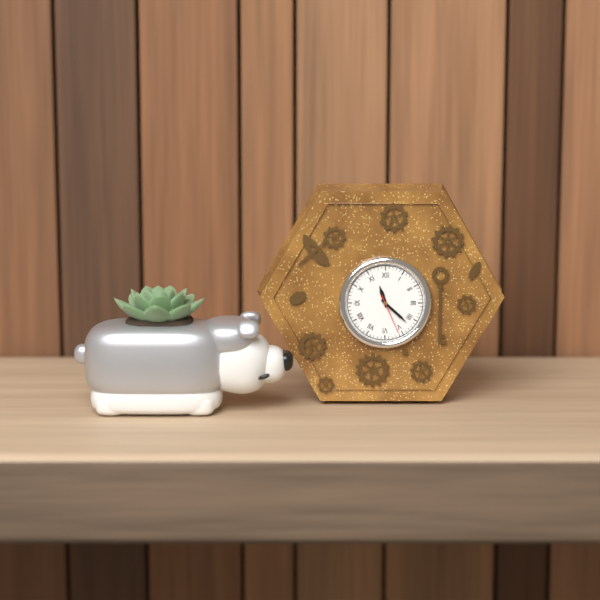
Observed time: **11:22**
